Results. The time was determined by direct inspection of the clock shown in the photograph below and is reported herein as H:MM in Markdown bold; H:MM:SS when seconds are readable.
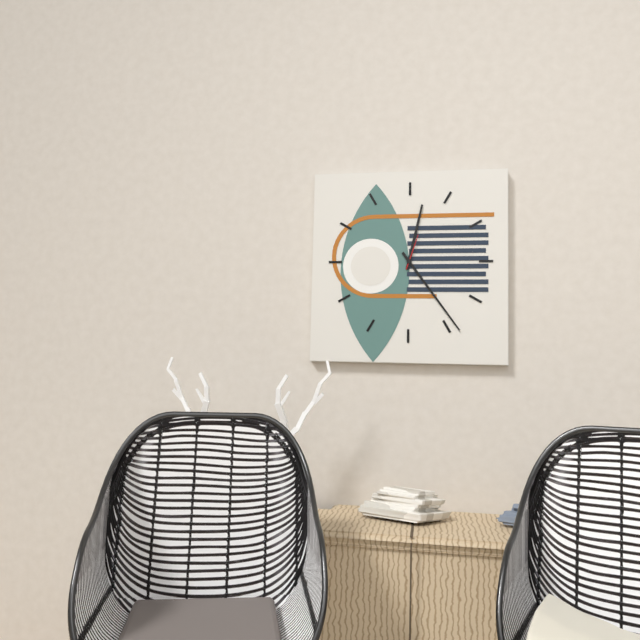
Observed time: **12:24**
